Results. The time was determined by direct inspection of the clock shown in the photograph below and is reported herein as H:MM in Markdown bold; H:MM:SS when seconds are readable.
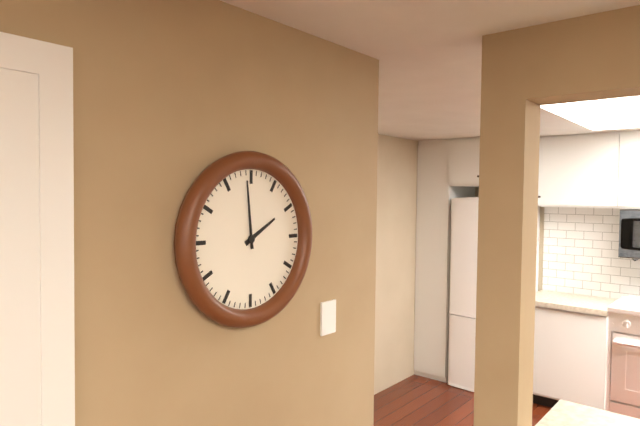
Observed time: **1:59**
